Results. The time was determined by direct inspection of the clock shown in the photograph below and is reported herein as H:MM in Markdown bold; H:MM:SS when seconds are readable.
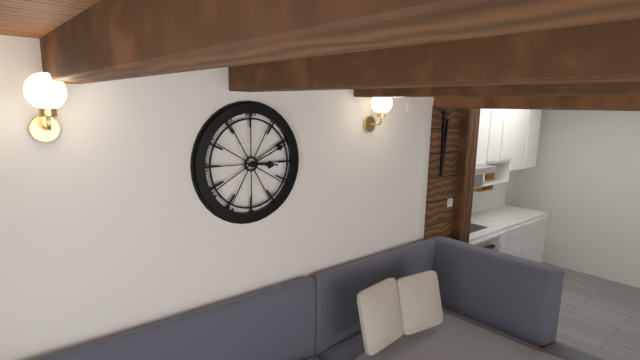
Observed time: **3:11**
